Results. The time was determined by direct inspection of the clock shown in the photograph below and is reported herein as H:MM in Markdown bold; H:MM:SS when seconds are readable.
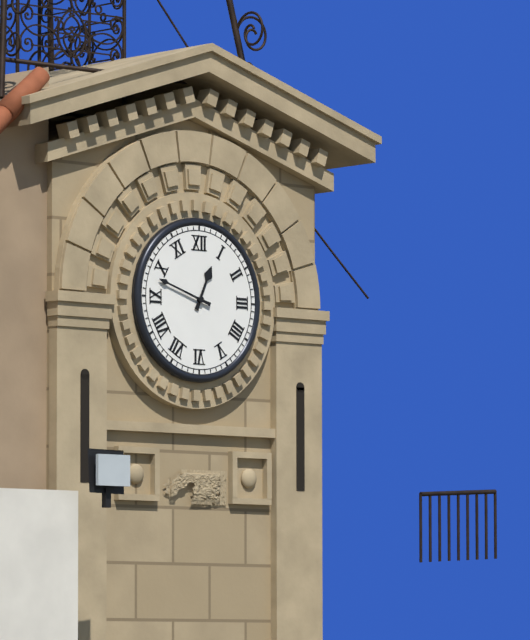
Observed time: **12:48**
